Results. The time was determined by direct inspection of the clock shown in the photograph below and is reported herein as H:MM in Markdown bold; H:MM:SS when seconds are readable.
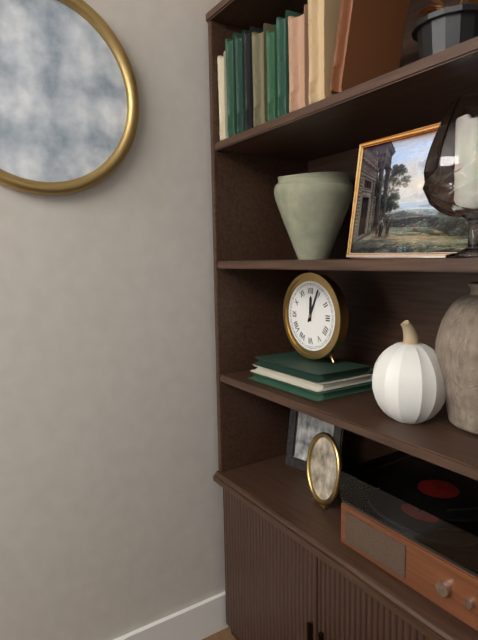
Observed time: **12:04**
